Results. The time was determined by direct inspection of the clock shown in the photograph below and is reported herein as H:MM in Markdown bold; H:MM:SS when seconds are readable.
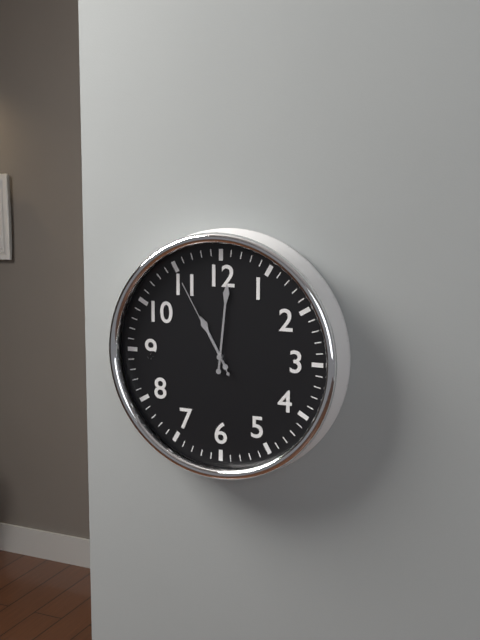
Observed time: **11:01:55**
